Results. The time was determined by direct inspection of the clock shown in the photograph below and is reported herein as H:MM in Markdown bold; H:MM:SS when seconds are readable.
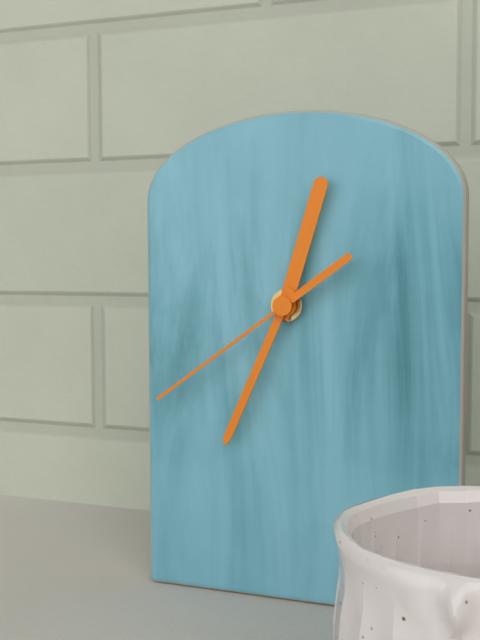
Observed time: **12:34:39**
